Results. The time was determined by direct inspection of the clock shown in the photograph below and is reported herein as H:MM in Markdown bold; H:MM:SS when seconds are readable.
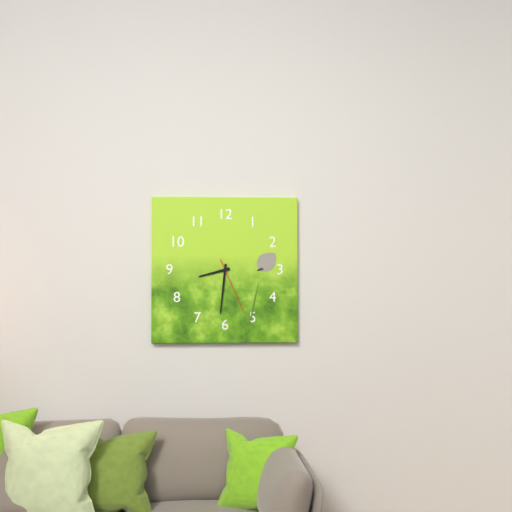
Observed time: **8:31:26**
